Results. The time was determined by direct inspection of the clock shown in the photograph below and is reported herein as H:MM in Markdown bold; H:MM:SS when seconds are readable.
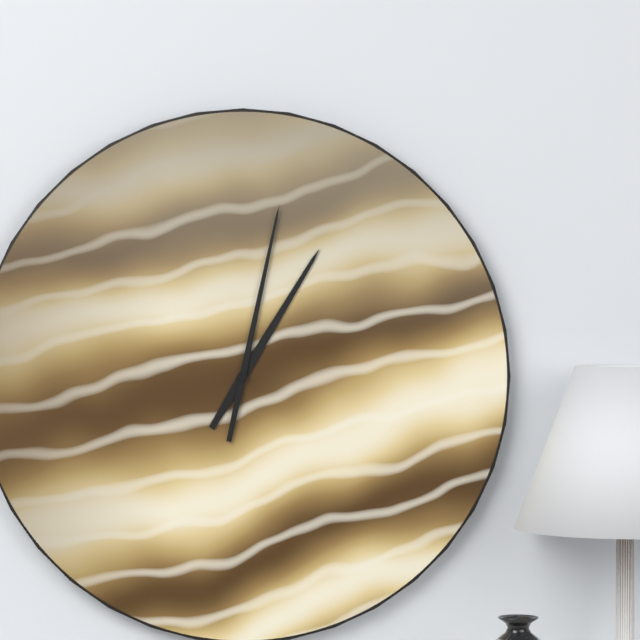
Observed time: **1:02**
